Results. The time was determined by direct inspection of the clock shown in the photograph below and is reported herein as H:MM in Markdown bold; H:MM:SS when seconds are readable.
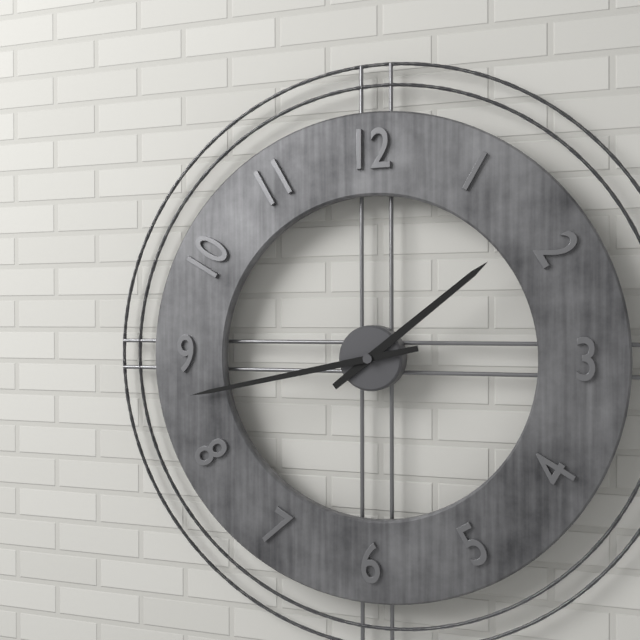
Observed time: **1:43**
